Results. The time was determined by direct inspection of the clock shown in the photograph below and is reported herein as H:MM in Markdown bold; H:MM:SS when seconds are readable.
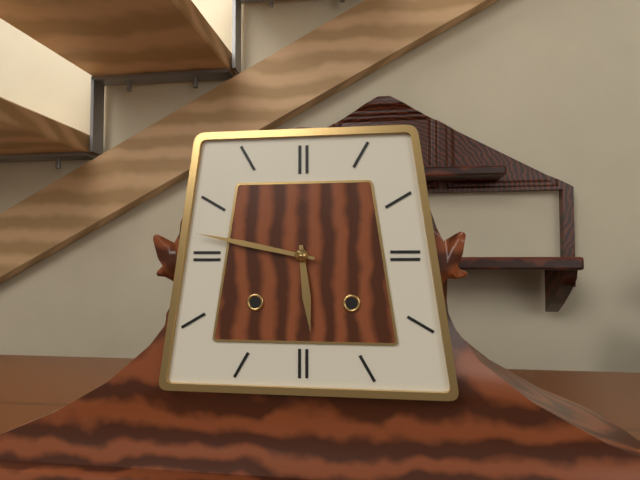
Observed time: **5:47**
